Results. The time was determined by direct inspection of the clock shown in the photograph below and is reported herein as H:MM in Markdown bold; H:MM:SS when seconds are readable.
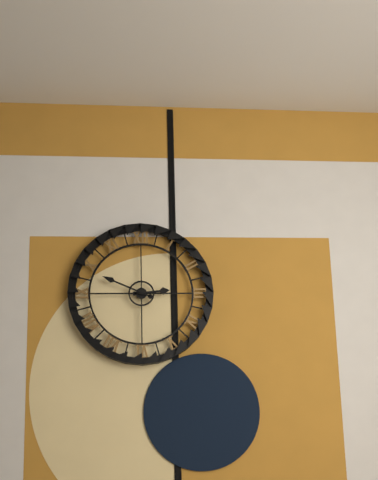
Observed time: **2:49**
